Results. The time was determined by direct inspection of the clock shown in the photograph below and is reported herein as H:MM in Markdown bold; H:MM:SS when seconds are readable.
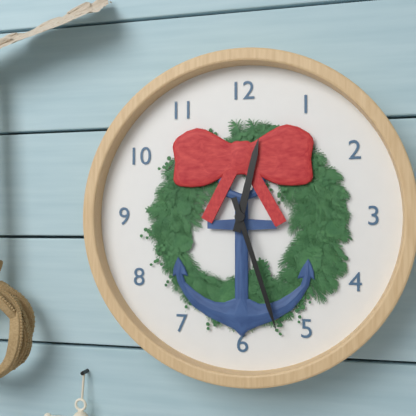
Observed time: **12:27**
